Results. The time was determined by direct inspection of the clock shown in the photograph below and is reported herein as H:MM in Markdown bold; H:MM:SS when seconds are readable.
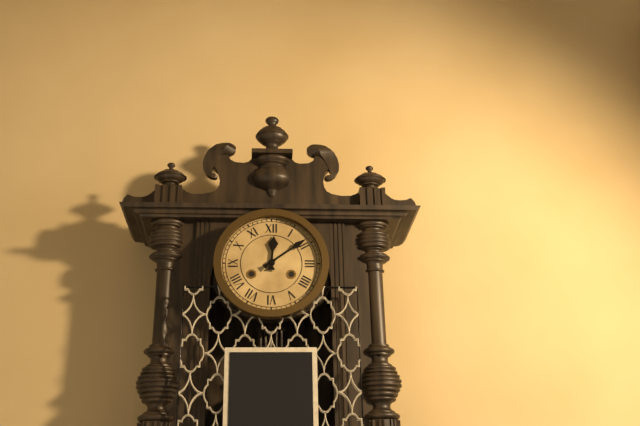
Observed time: **12:09**
